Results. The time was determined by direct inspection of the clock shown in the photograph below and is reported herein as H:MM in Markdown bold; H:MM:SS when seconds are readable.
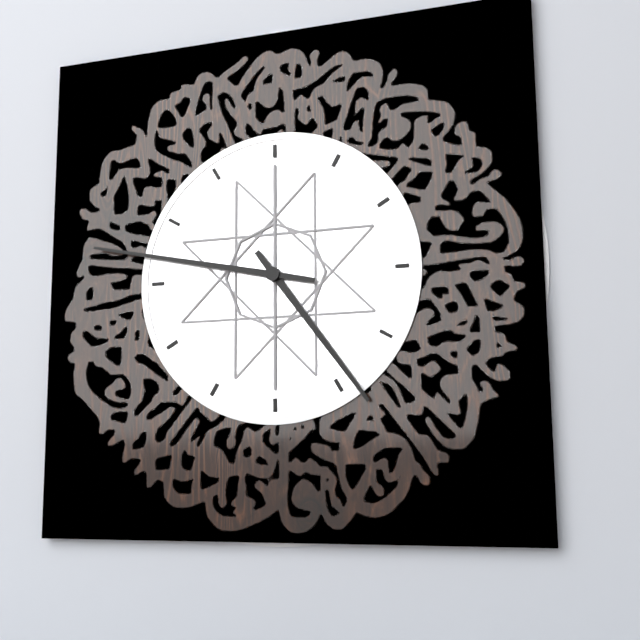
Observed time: **4:47**
